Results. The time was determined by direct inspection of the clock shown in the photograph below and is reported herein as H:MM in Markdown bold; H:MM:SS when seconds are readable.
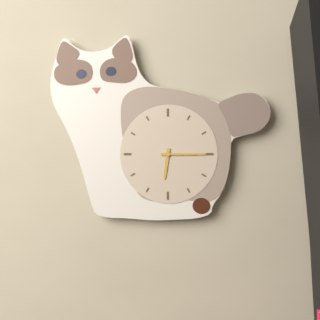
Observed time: **6:15**
